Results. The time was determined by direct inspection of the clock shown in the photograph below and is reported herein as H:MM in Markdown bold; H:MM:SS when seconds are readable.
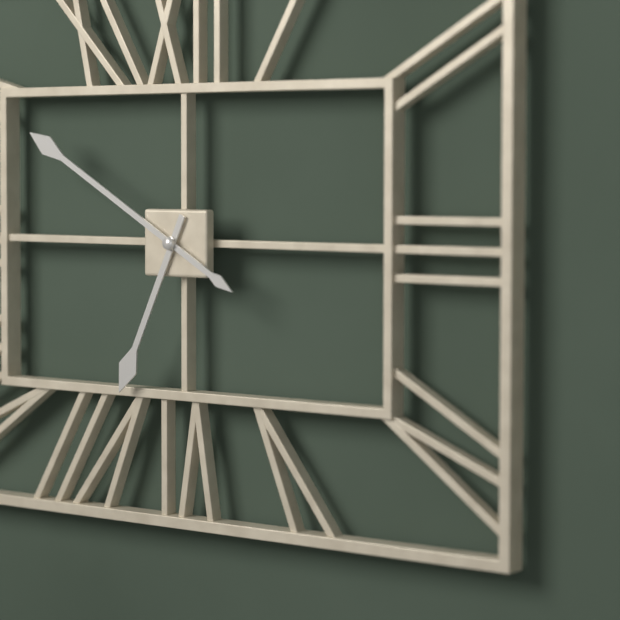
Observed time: **6:50**
